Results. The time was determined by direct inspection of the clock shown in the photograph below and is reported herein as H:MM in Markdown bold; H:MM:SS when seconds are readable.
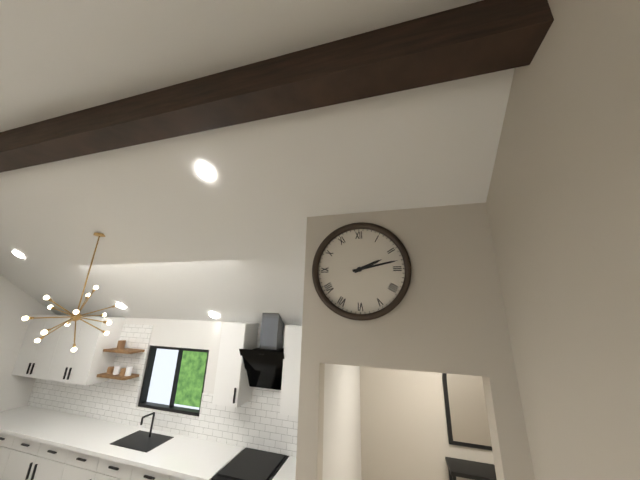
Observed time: **2:13**
